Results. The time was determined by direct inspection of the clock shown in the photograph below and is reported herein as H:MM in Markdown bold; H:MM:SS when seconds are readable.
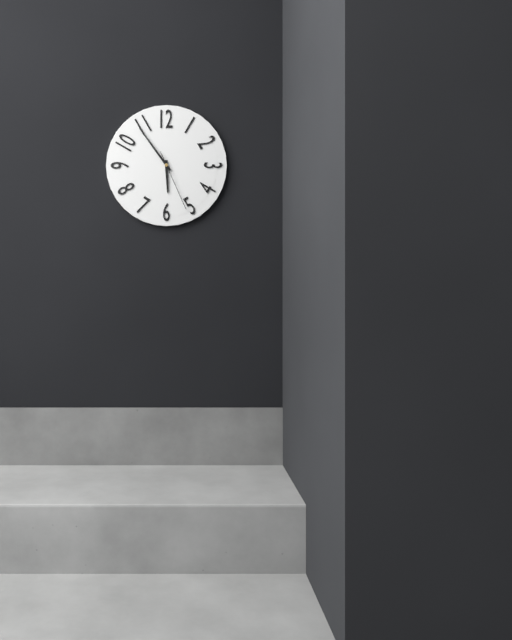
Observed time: **5:54:26**
